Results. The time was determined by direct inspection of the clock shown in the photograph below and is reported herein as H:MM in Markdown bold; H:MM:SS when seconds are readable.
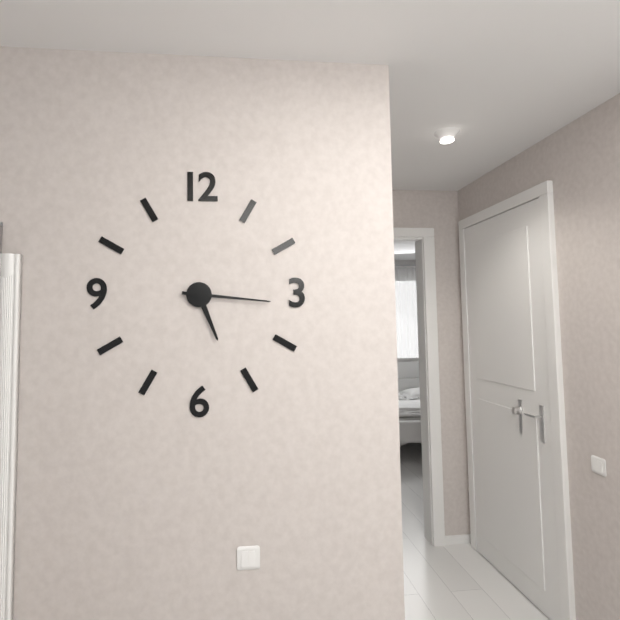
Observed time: **5:16**
